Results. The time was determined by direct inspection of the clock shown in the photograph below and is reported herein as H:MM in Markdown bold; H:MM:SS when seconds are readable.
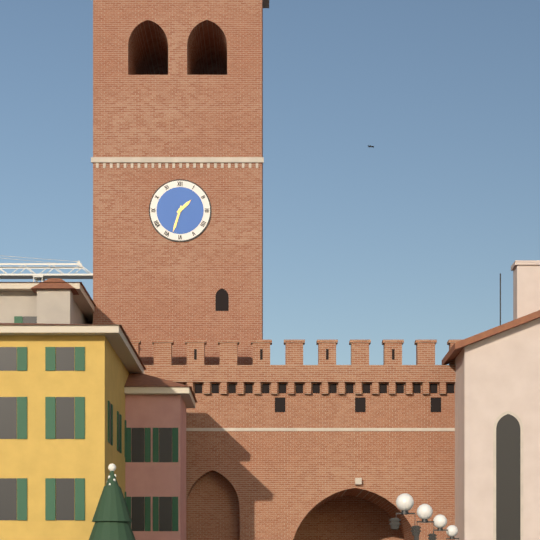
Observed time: **1:33**
